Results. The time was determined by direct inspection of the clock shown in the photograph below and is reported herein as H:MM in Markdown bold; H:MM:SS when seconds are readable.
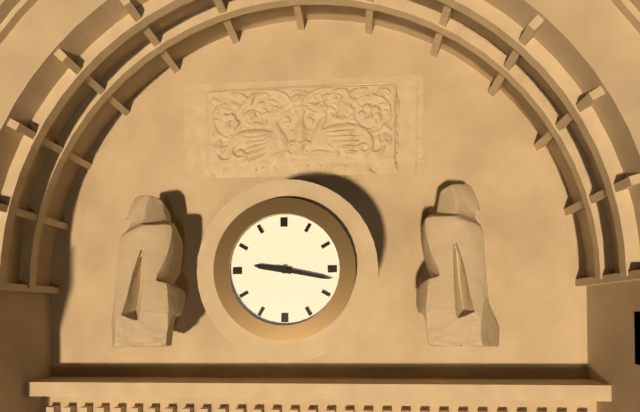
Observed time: **9:17**
